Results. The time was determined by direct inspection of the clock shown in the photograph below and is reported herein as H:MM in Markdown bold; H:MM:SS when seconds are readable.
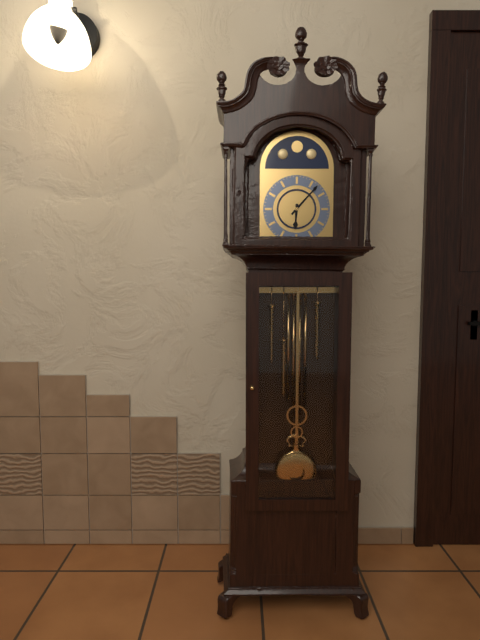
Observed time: **6:07**
